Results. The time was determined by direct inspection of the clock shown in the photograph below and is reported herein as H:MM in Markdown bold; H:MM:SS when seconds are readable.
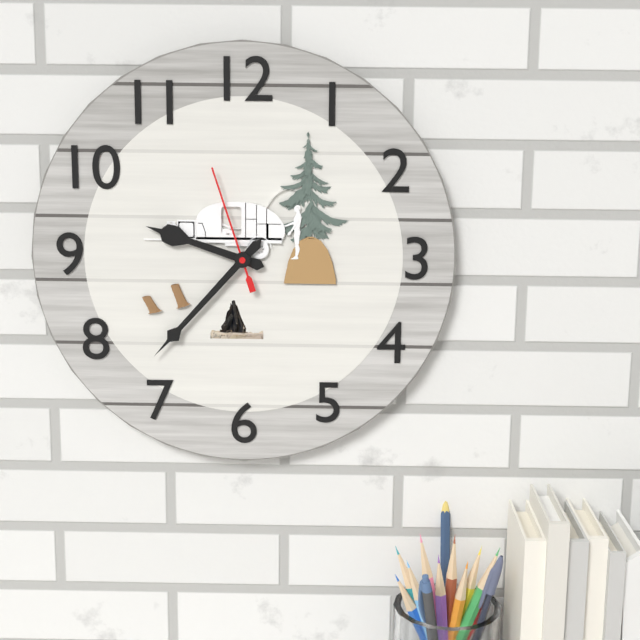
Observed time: **9:37:57**
